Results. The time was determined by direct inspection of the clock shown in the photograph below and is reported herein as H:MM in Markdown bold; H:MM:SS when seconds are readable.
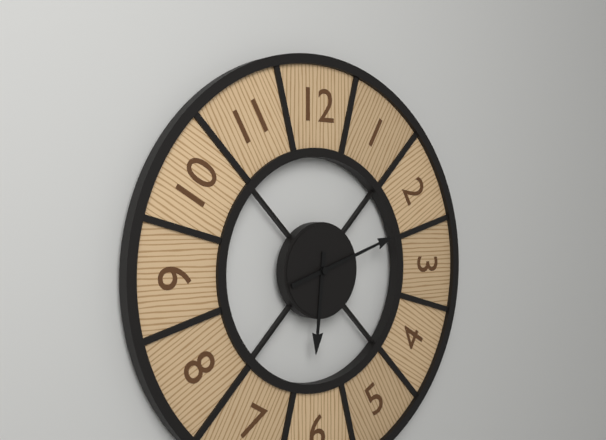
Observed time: **6:12**
